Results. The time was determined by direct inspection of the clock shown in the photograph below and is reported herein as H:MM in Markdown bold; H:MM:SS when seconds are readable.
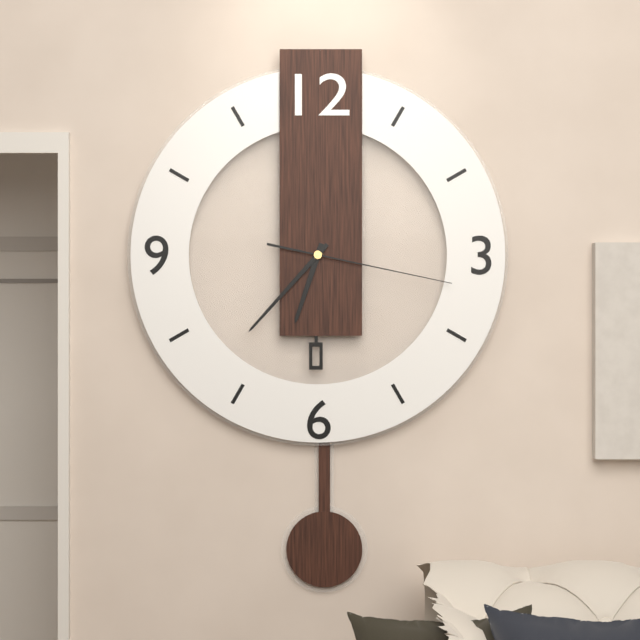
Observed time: **6:37:17**
